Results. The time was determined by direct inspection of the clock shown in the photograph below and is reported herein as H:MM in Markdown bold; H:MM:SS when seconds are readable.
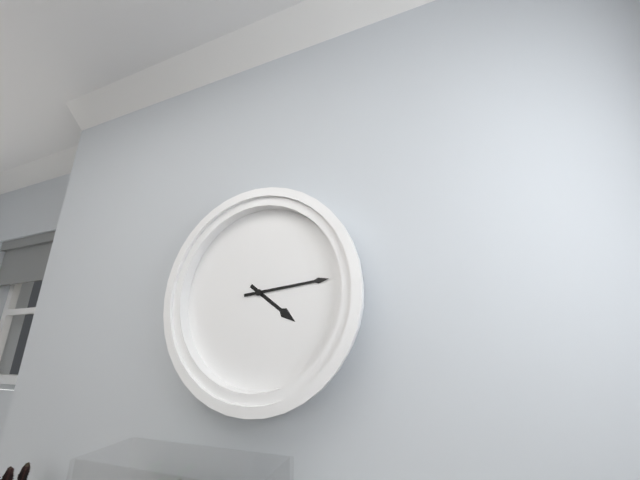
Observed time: **4:14**
